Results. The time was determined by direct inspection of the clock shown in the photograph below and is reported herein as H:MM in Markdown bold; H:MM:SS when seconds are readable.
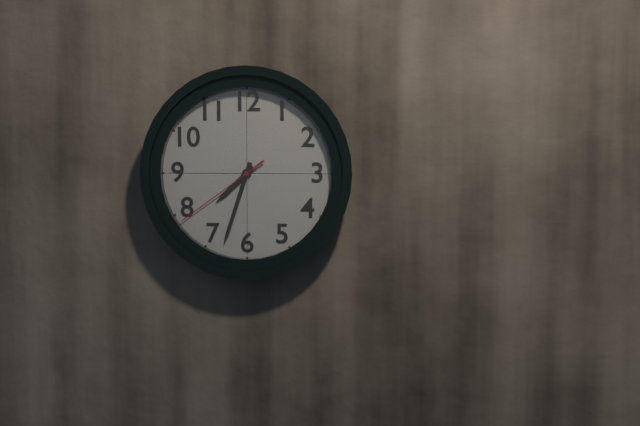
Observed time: **7:33:39**
